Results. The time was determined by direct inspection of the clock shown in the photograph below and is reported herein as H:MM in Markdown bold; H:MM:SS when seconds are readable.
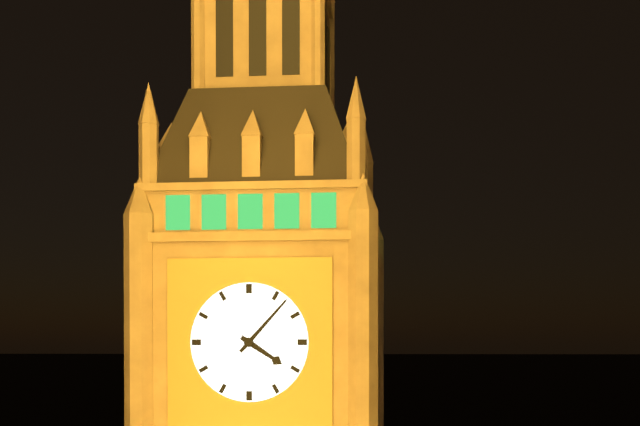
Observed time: **4:07**
